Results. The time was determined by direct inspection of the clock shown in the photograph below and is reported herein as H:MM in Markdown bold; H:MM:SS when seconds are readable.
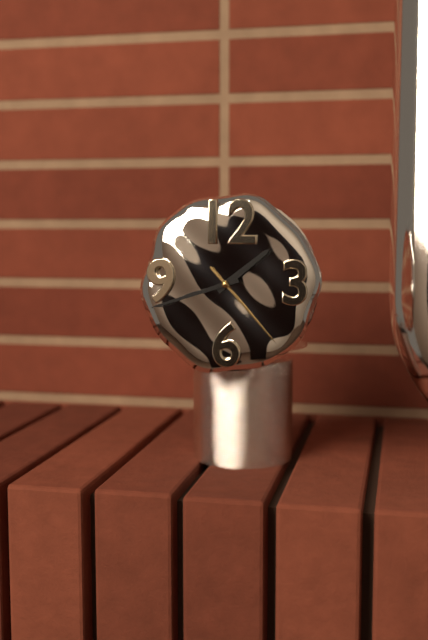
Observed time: **1:42:23**
